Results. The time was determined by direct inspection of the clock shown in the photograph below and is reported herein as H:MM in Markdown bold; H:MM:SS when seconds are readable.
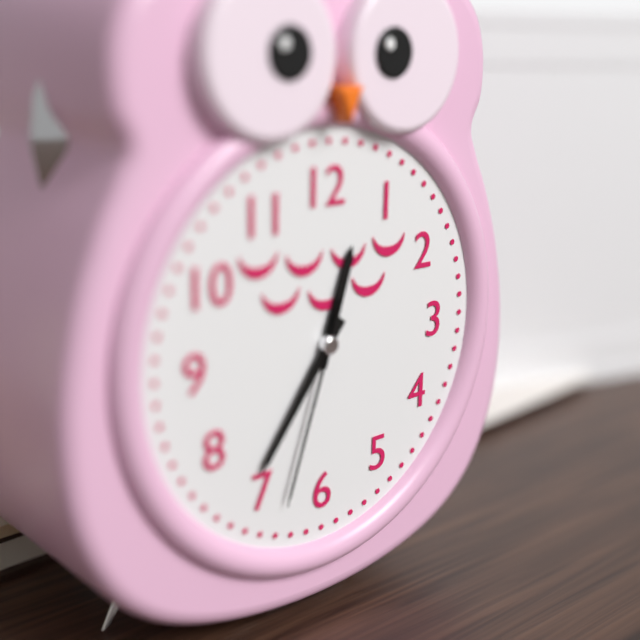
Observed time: **12:36:33**
